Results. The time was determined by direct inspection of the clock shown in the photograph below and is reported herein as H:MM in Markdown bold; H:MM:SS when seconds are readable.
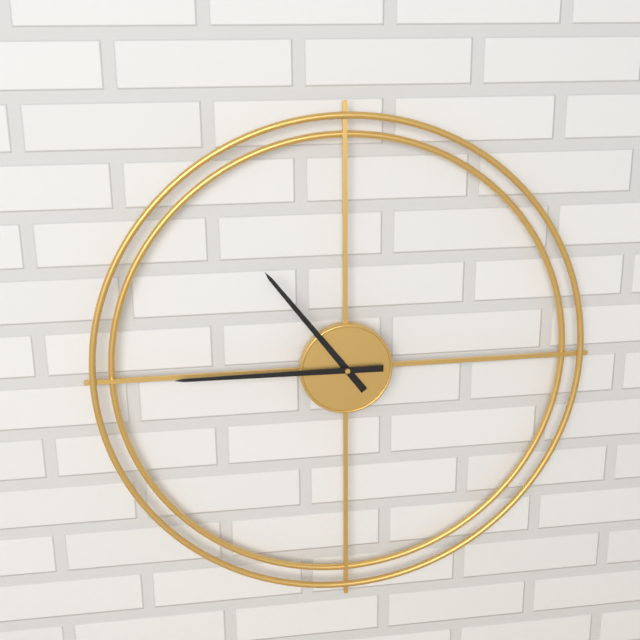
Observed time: **10:45**
